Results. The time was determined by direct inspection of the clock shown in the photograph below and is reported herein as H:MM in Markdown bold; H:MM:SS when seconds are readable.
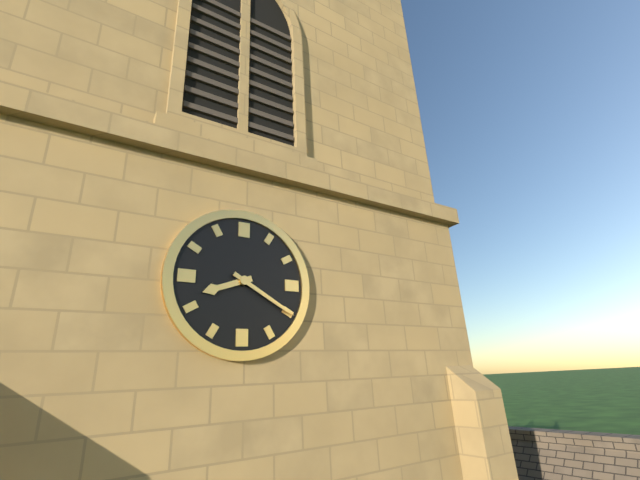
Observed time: **8:20**
